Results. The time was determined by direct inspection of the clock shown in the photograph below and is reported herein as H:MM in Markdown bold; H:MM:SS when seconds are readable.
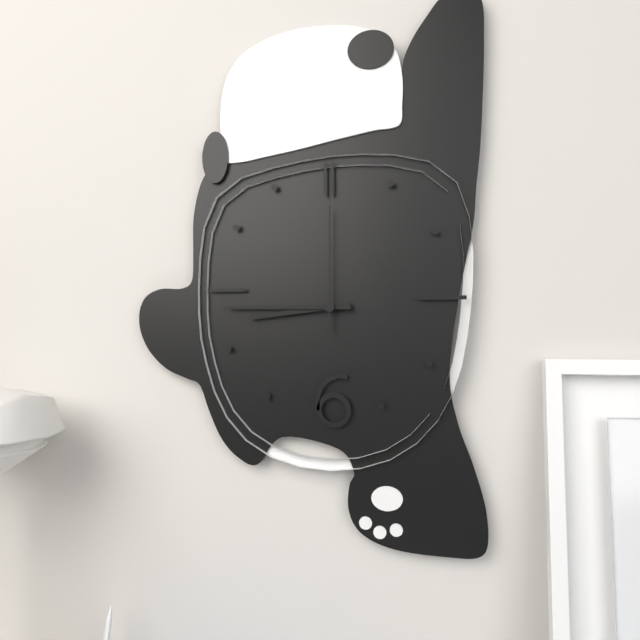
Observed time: **8:45:00**
